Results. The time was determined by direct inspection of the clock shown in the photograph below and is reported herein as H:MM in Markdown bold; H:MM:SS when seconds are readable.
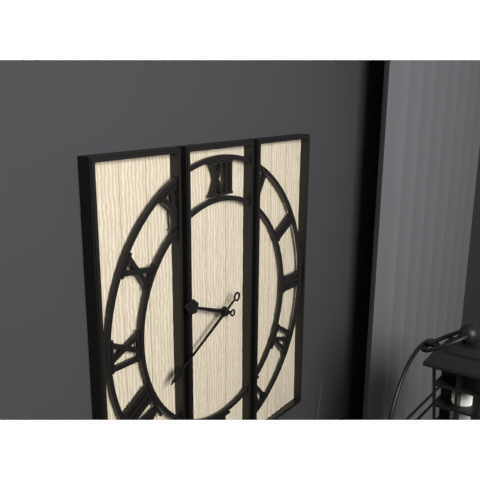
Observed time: **9:40**
